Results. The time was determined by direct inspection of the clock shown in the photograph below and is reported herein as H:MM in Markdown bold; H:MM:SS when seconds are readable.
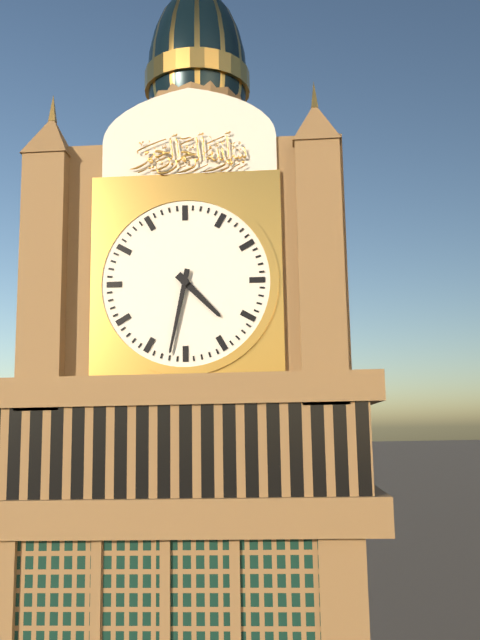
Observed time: **4:32**
